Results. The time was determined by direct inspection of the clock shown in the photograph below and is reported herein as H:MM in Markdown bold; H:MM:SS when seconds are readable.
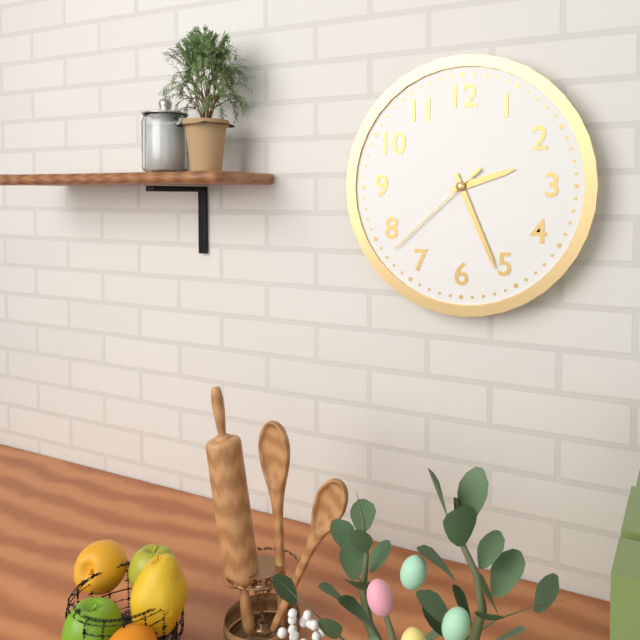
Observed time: **2:26:38**
